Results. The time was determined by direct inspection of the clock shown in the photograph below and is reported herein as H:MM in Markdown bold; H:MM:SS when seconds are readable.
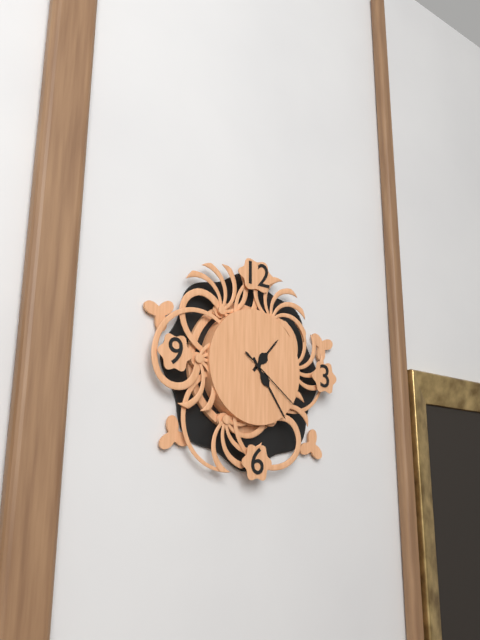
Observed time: **1:24:21**
